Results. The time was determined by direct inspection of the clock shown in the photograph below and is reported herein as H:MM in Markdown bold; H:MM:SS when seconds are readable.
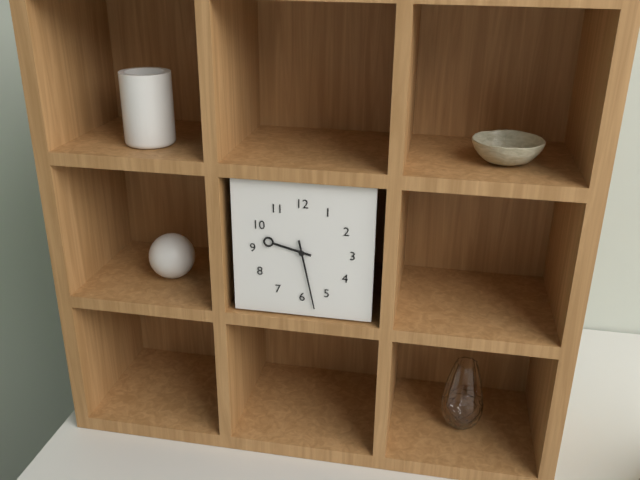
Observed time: **9:28**
